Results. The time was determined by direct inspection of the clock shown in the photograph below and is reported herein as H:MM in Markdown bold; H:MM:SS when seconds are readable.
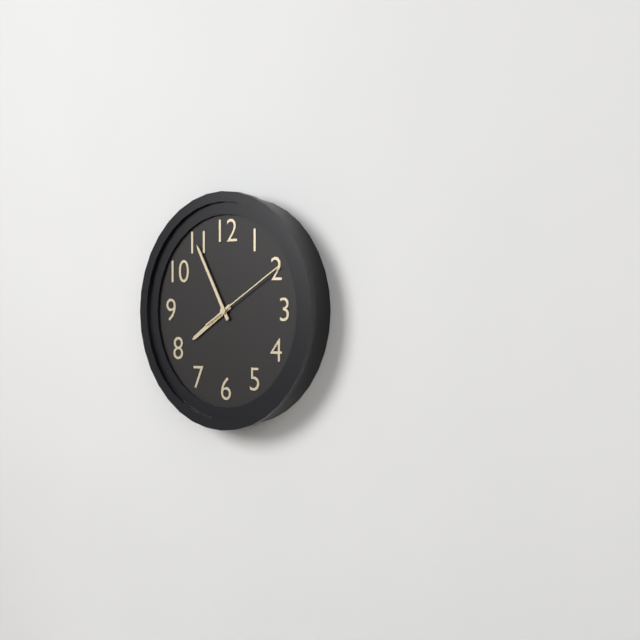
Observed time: **7:55:10**
